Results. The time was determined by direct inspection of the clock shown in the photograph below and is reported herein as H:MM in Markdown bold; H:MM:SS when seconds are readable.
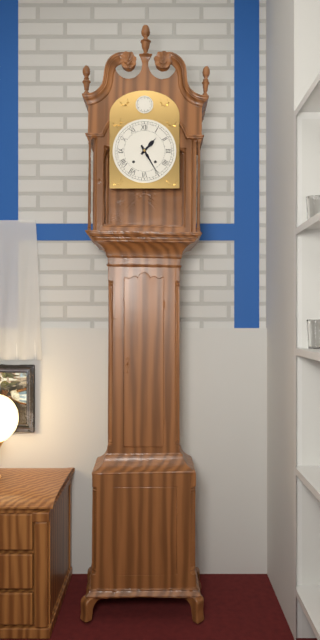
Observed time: **1:25**
